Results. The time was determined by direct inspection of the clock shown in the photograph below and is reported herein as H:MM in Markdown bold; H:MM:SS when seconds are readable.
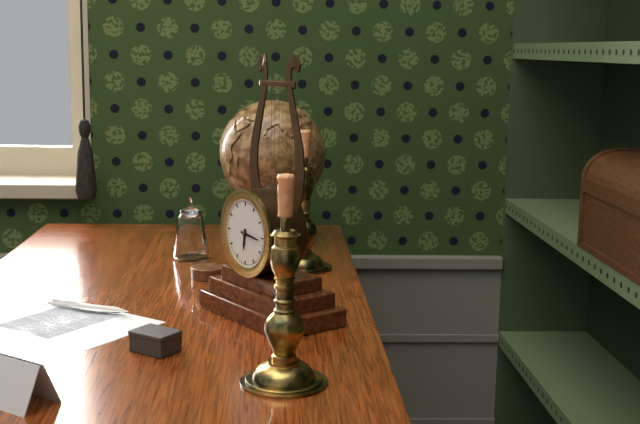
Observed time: **6:16**
